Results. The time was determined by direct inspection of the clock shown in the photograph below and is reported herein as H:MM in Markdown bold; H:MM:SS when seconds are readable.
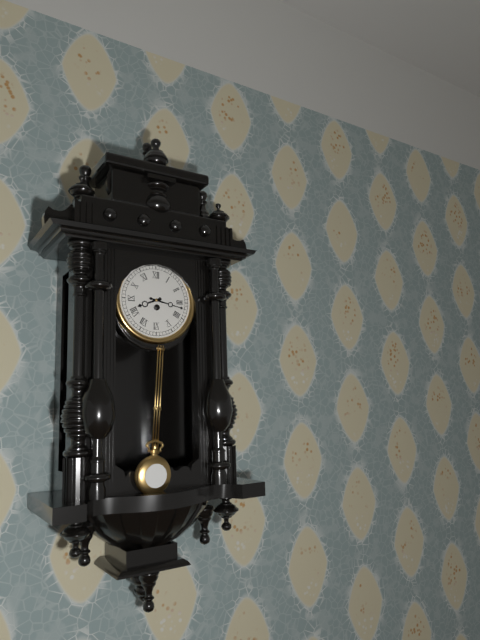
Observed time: **8:17**
